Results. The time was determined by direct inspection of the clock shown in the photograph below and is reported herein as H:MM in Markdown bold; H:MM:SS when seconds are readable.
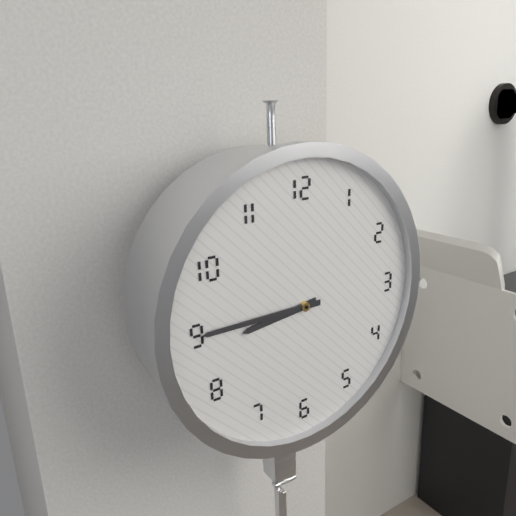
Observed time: **8:45**
